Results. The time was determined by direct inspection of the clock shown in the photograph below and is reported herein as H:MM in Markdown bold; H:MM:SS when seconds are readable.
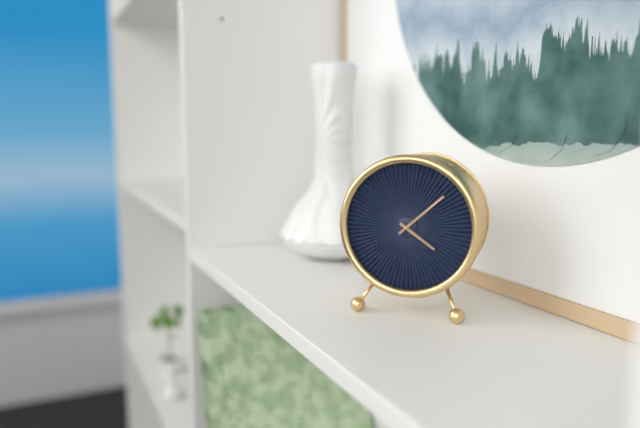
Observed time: **4:08**
